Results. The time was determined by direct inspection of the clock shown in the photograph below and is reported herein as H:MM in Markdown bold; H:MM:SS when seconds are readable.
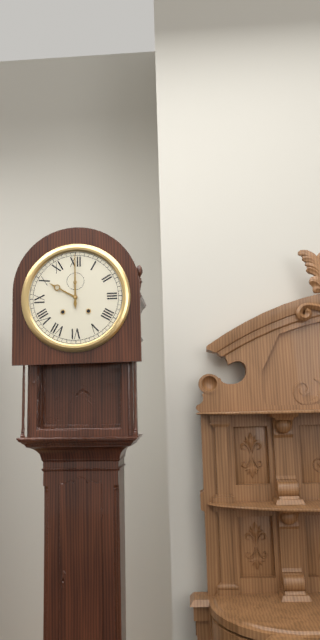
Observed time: **10:00**
